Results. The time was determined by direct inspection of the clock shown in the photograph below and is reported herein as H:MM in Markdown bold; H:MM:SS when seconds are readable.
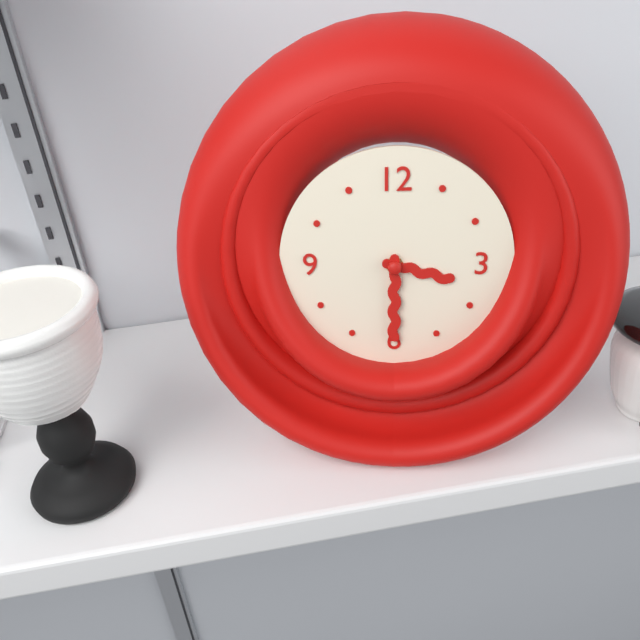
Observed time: **3:30**
